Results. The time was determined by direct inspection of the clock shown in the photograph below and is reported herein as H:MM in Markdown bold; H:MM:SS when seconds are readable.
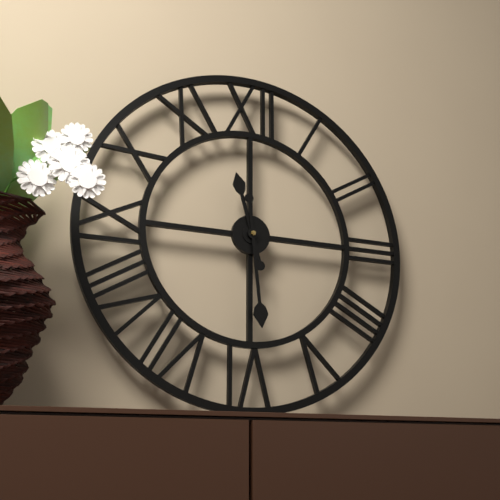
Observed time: **11:29**
